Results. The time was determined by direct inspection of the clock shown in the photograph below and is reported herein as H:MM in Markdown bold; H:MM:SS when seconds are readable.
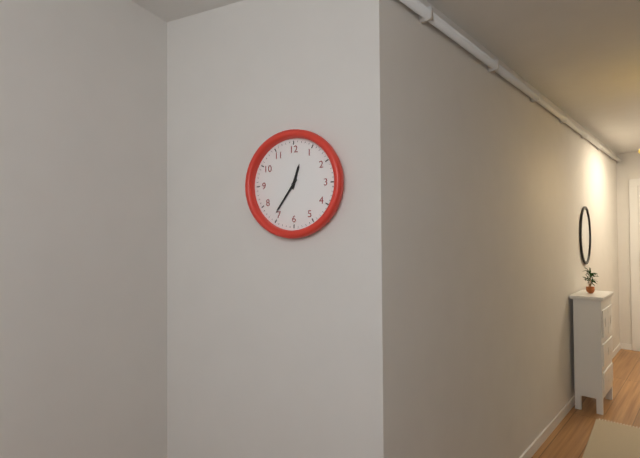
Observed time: **12:36**
